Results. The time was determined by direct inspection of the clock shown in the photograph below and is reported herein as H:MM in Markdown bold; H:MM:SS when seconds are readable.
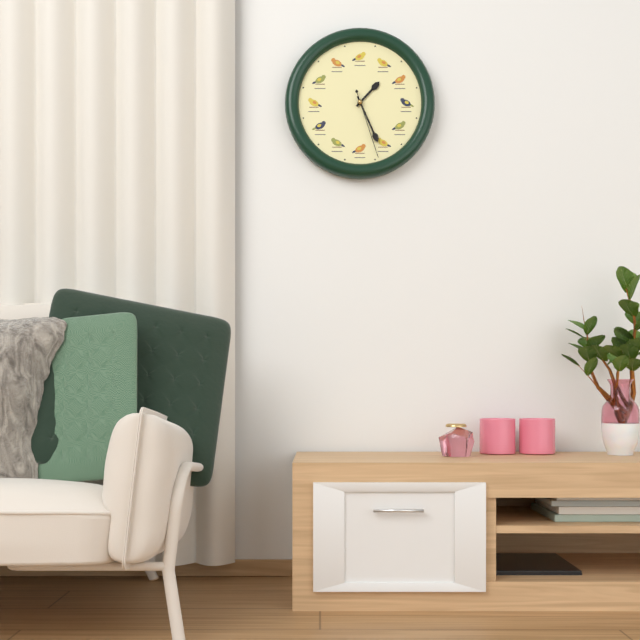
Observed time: **1:26:27**
